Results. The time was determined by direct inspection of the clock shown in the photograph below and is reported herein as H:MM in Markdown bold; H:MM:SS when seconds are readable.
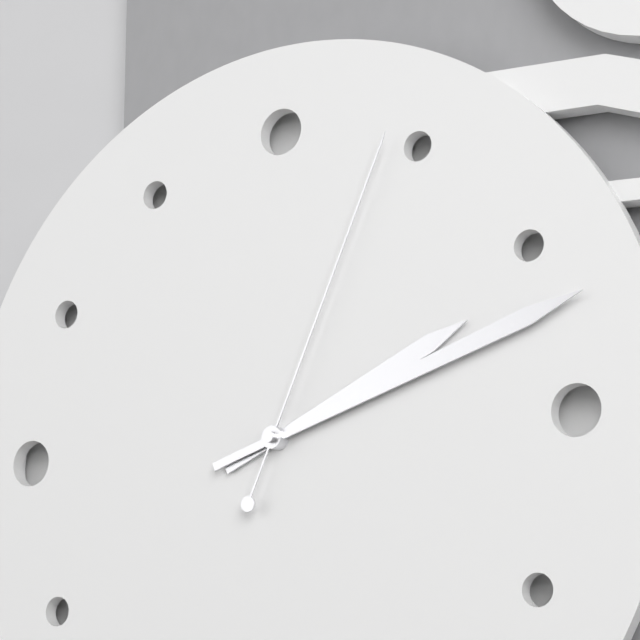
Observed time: **2:12:04**
